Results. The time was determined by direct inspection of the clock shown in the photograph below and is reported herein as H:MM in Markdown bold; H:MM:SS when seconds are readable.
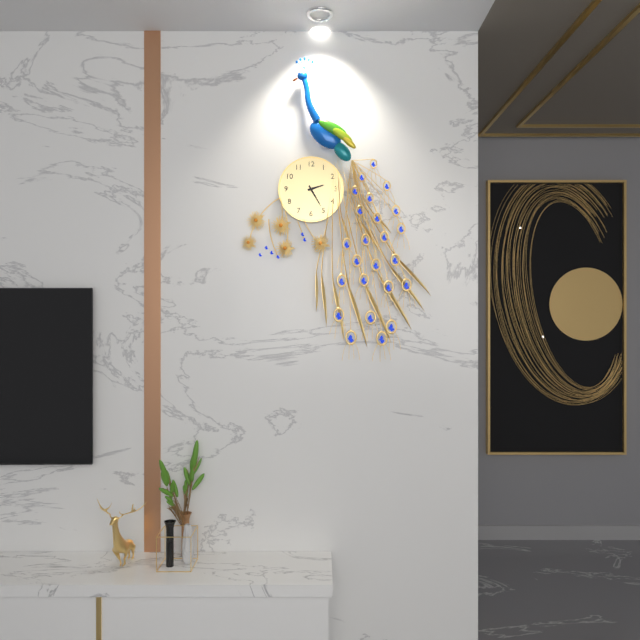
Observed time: **2:25**
